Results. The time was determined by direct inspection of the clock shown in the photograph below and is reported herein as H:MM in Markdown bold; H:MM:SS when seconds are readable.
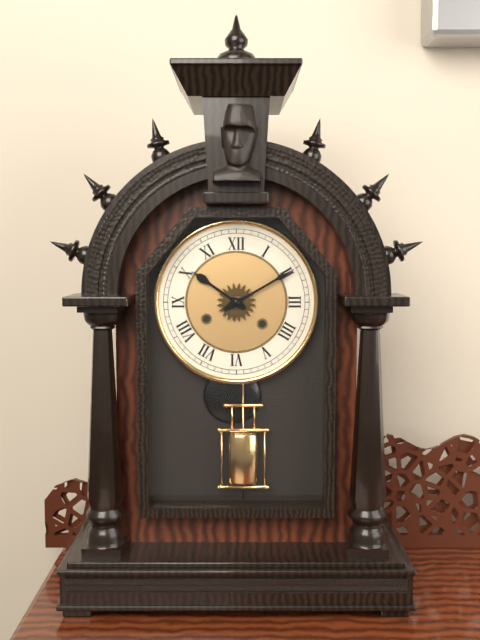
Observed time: **10:10**
